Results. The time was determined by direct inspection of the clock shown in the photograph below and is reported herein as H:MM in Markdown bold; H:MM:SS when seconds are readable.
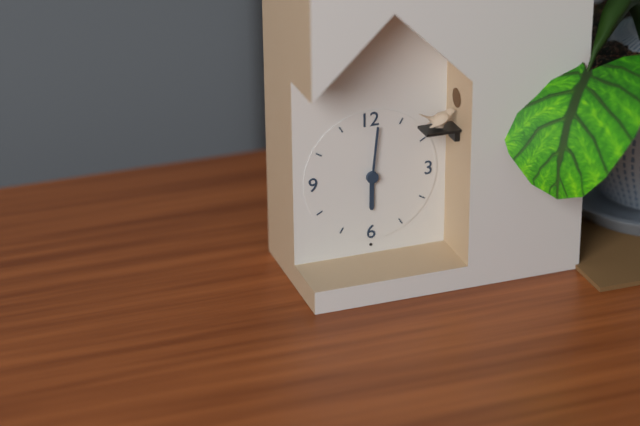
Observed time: **6:01**
